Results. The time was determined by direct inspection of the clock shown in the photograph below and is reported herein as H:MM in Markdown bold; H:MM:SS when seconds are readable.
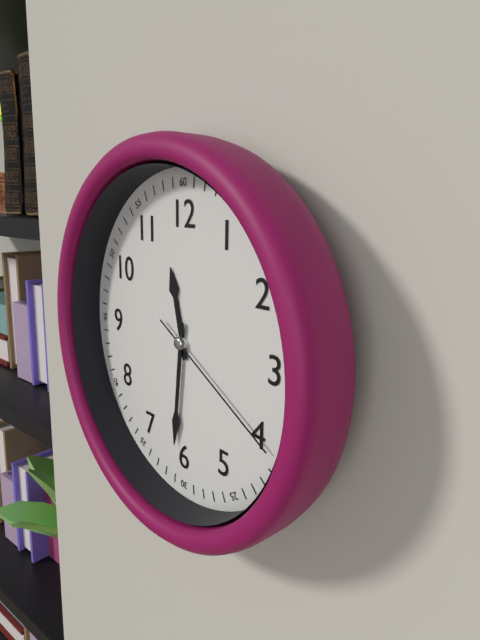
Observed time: **11:31:20**
